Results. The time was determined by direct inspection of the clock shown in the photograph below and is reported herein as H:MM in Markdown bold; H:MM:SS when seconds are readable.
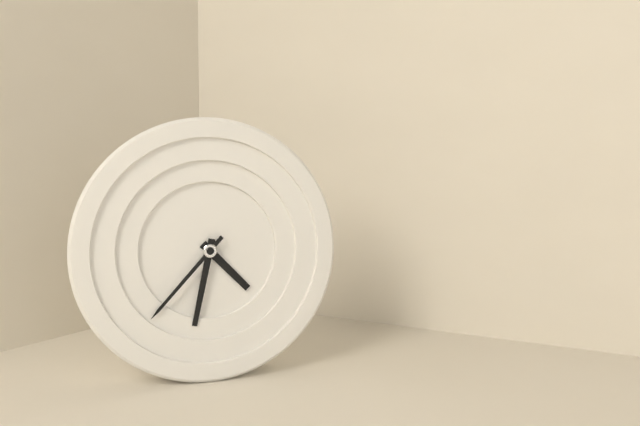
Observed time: **4:32:37**
